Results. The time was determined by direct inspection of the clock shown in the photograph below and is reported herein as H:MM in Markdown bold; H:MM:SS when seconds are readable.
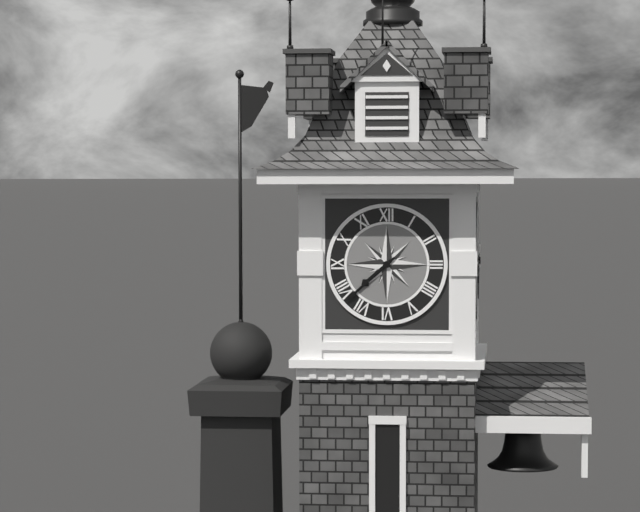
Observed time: **7:38**
